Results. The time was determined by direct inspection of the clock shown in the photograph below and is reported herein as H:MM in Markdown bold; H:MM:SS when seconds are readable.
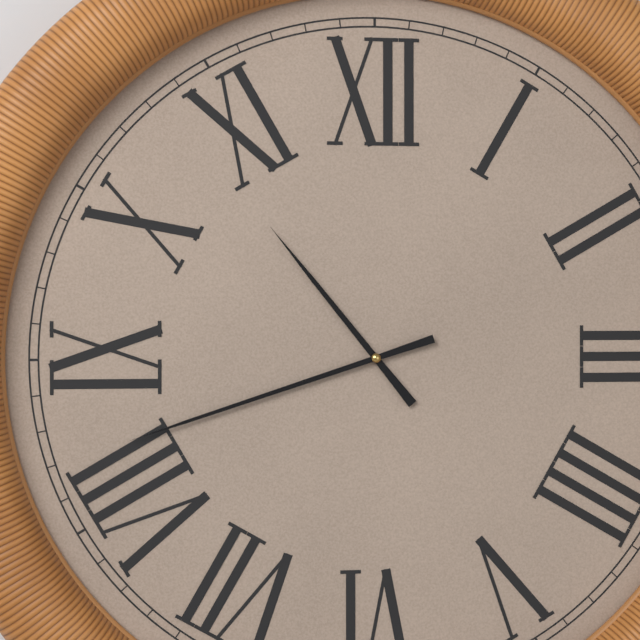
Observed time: **10:42**
